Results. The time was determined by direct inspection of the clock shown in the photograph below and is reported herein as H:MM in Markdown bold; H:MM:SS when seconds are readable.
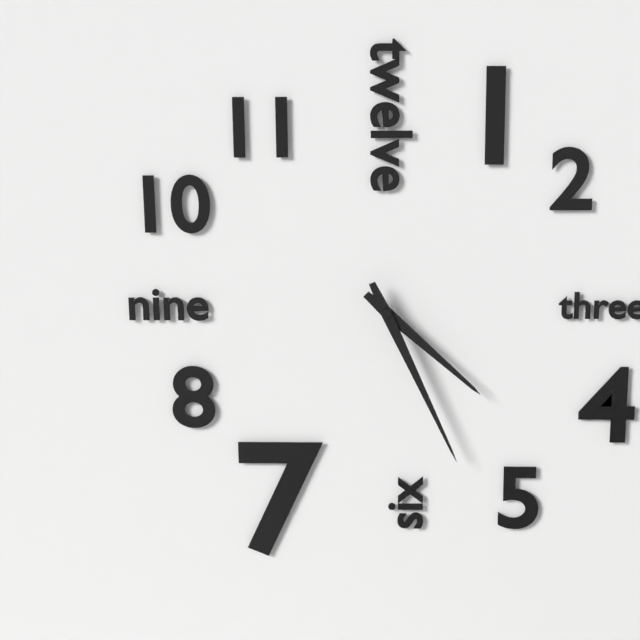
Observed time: **4:26**
